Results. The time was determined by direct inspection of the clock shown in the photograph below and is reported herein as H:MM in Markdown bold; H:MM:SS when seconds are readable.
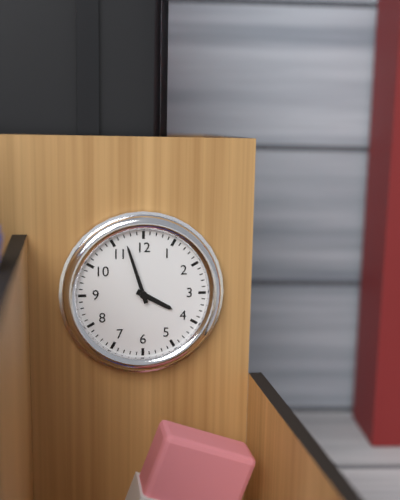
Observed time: **3:57**
